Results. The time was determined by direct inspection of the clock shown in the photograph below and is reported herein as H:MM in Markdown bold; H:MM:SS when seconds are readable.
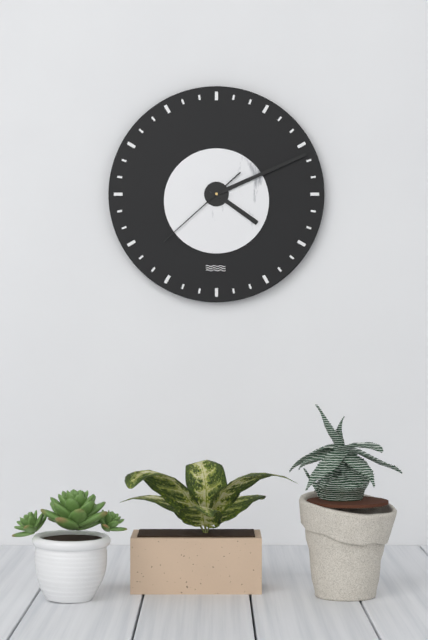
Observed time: **4:11:38**
